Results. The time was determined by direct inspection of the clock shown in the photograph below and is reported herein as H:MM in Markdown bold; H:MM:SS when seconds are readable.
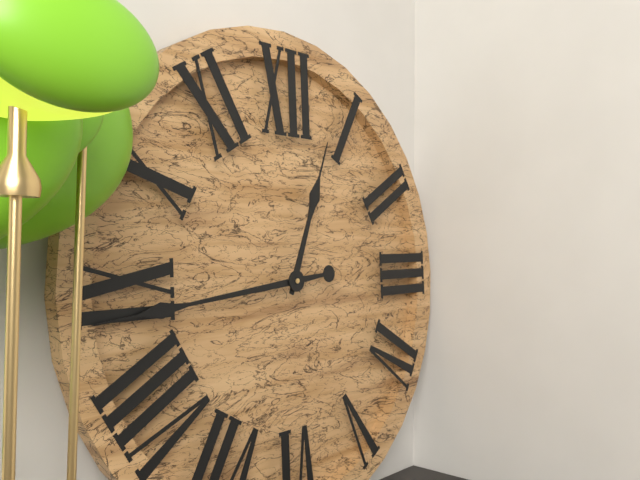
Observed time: **12:44**
